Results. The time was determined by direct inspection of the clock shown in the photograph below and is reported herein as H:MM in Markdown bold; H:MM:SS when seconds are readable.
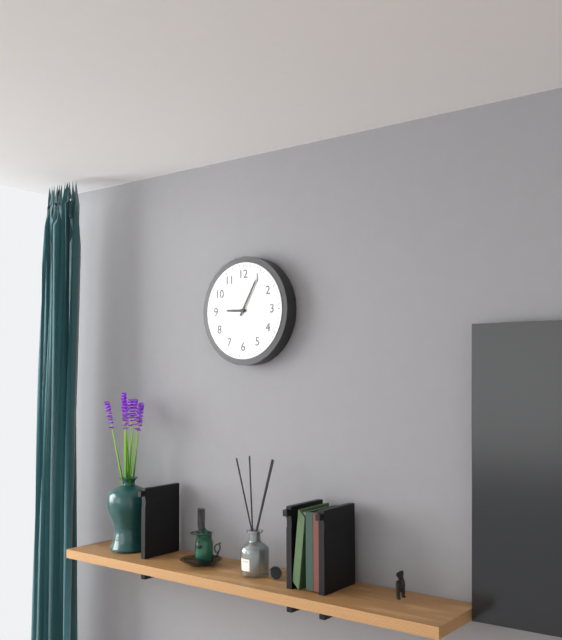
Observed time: **9:05**
